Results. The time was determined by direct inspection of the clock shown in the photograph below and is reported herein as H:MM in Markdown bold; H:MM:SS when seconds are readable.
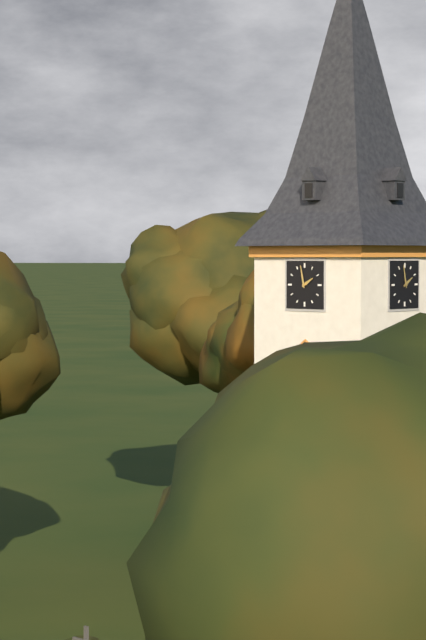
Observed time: **1:58**
